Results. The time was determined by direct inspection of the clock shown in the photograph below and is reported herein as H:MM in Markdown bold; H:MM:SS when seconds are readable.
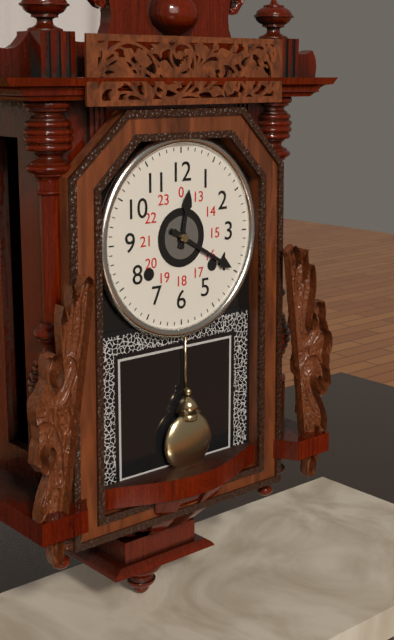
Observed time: **12:20**
